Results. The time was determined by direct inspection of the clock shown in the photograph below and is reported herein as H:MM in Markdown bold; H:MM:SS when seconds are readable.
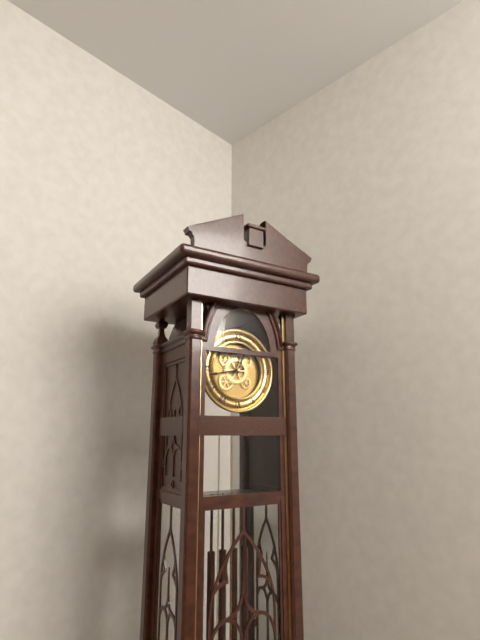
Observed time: **12:43**
